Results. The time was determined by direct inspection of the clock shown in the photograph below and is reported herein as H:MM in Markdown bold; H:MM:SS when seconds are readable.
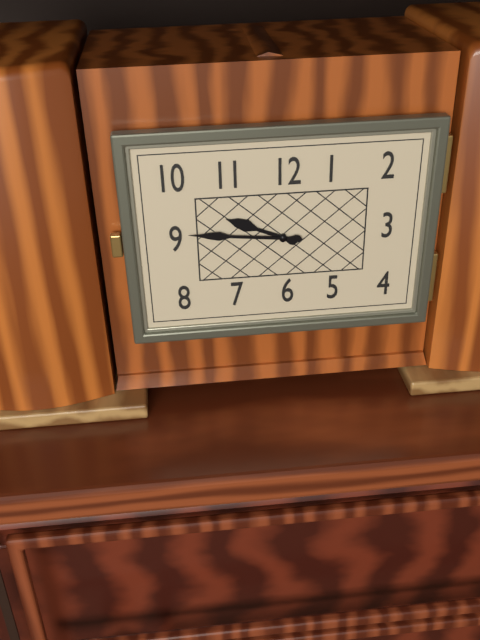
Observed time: **9:46**
